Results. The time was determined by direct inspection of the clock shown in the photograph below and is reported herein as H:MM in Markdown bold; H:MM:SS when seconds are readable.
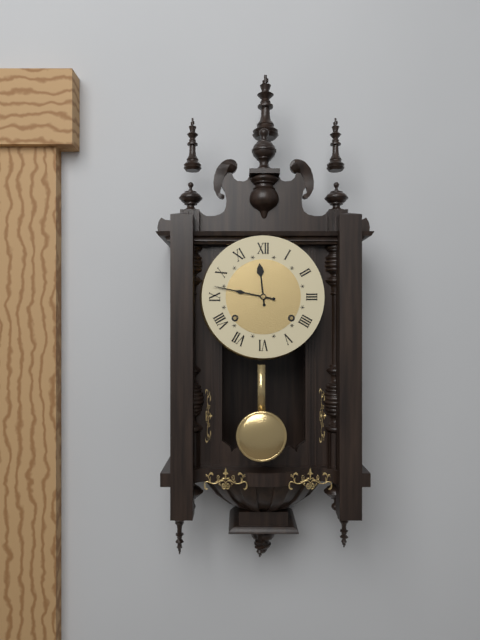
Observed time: **11:47**
